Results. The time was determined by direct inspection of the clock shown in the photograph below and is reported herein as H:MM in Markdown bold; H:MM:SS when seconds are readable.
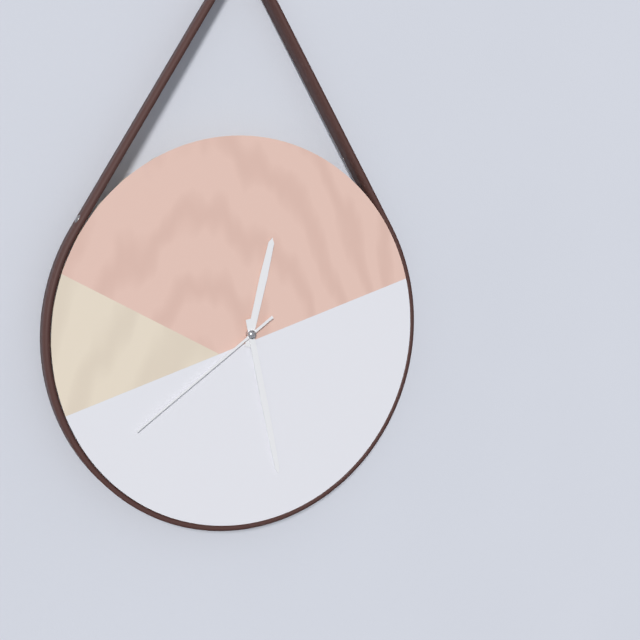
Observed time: **12:28:39**
